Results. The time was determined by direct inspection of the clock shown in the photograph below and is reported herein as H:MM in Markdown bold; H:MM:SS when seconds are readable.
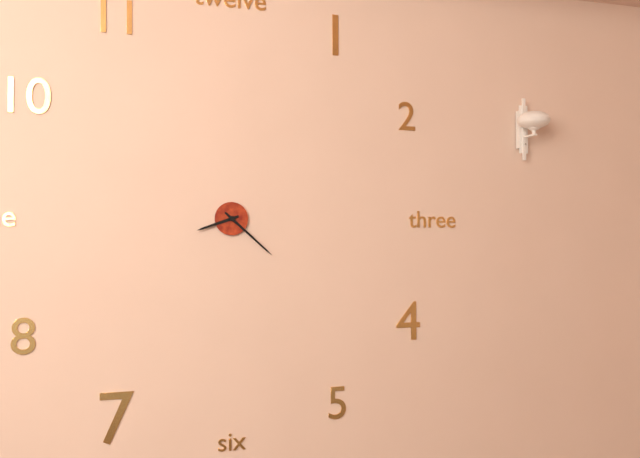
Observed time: **8:22**
